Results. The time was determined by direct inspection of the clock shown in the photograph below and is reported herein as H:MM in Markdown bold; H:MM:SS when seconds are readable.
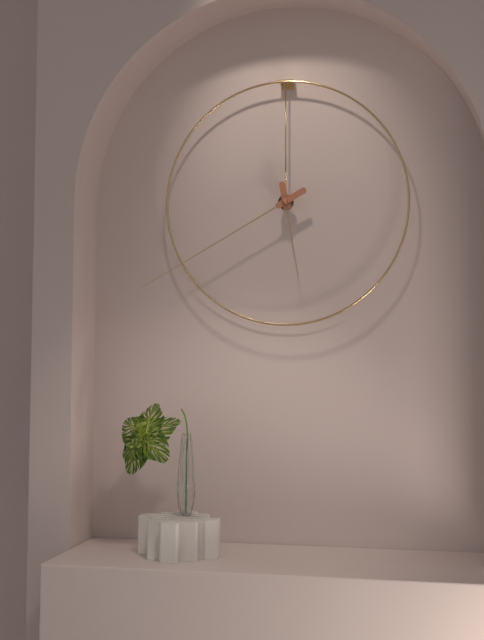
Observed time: **5:40**
